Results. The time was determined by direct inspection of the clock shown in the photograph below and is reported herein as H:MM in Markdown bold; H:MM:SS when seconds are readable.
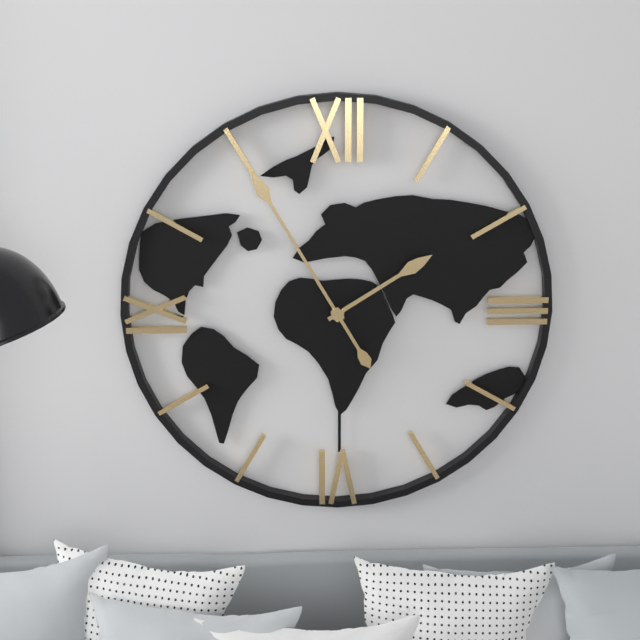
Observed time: **1:55**
